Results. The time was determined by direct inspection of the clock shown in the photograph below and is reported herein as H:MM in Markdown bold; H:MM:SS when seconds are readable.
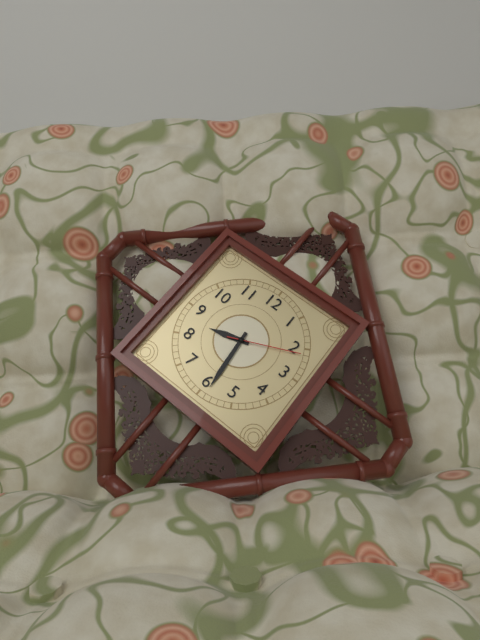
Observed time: **8:29:11**
